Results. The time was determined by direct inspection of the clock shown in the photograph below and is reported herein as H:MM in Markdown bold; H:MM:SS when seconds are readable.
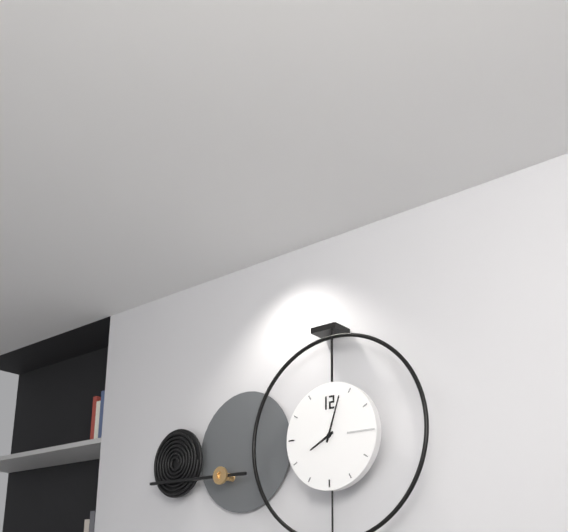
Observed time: **8:03**
